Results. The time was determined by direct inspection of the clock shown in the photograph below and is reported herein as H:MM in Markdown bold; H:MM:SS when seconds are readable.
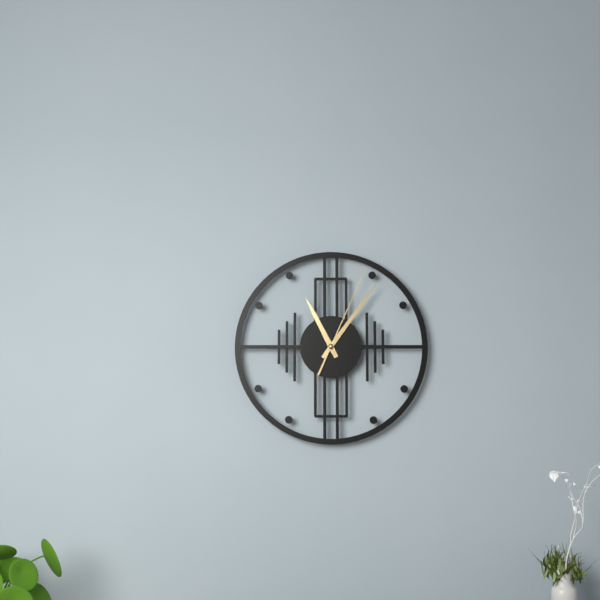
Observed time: **11:06:04**
